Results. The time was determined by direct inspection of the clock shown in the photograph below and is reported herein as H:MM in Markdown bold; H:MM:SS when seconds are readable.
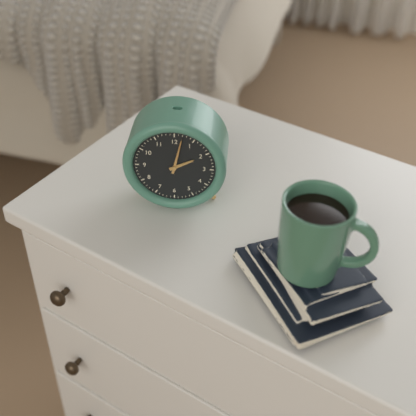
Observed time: **2:02**
